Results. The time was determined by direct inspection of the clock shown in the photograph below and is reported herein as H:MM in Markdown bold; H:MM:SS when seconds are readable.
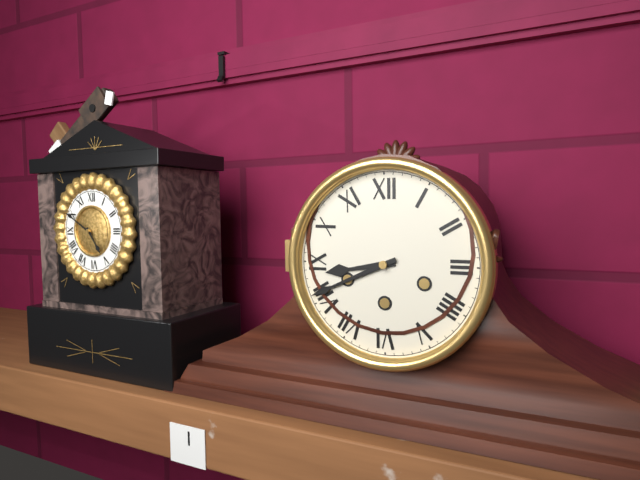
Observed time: **8:41**
